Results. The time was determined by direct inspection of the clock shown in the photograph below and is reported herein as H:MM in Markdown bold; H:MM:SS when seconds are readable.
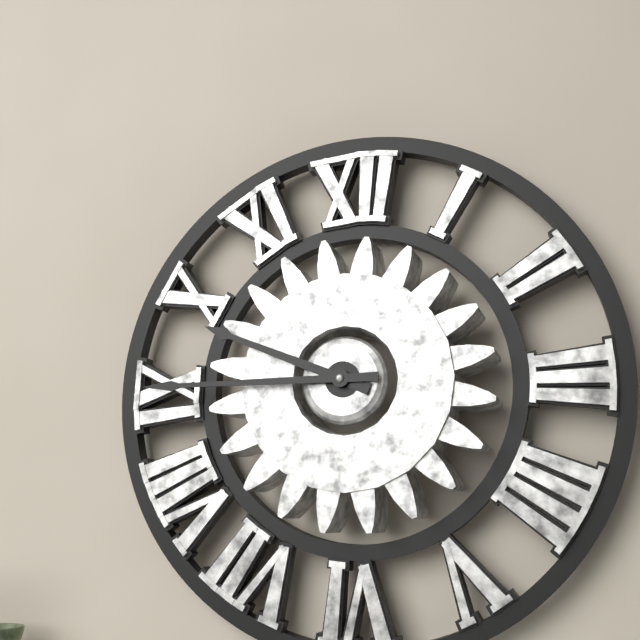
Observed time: **9:45**
